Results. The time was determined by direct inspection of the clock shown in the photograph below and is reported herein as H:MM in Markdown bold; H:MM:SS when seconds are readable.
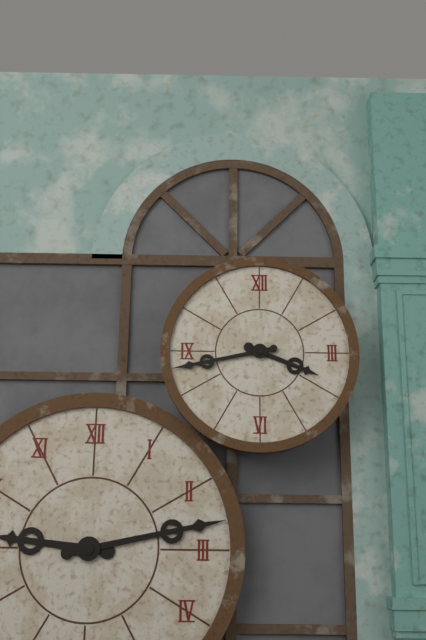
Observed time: **3:43**
